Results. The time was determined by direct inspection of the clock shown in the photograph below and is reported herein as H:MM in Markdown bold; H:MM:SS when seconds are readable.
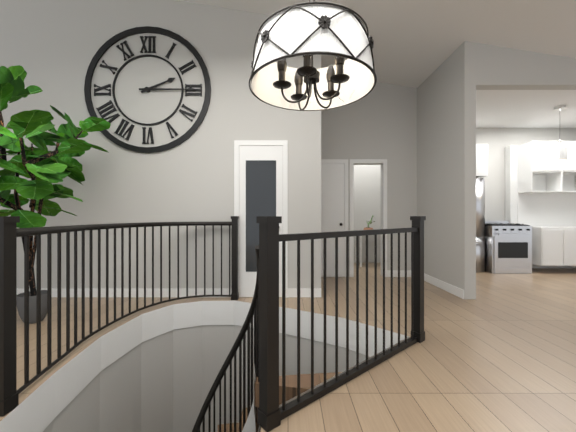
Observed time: **2:15**
